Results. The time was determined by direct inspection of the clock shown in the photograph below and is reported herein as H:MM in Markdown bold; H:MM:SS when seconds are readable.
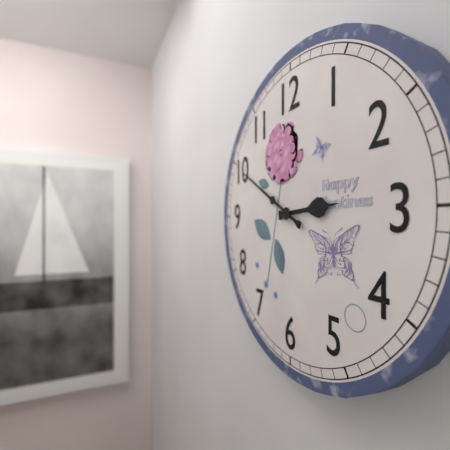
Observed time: **2:50**
